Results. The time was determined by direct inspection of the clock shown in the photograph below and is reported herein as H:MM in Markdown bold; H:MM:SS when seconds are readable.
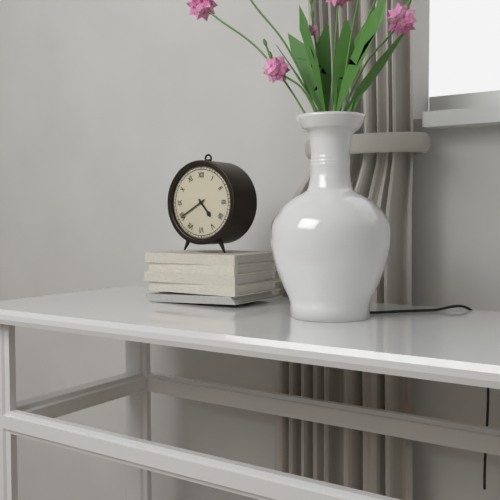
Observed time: **4:40**
